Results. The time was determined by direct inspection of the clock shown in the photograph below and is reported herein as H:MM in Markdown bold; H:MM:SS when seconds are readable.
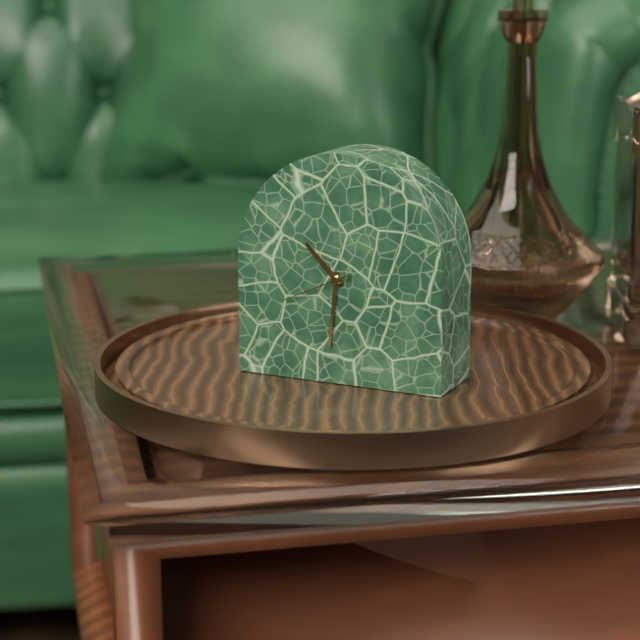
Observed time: **10:31:41**
